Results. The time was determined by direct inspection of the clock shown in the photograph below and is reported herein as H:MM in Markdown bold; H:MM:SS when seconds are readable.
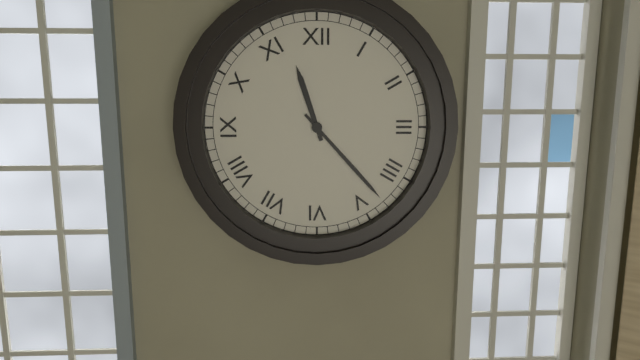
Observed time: **11:23**
